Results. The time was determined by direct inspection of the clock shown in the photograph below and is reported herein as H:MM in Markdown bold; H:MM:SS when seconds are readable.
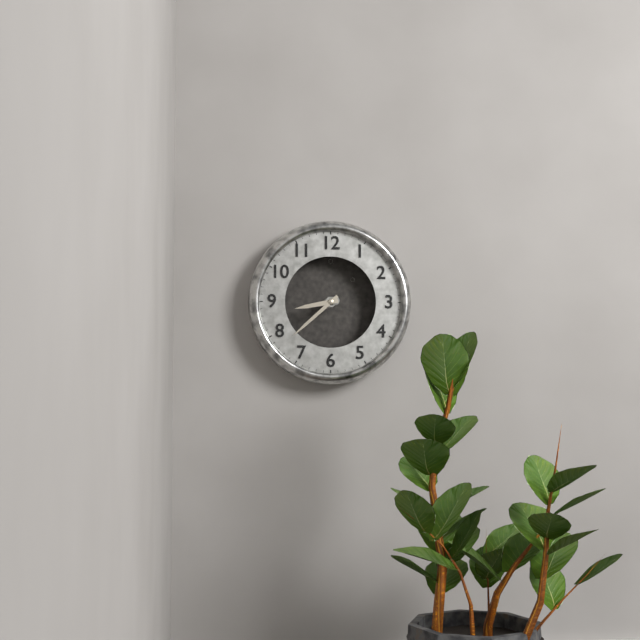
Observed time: **8:38**
